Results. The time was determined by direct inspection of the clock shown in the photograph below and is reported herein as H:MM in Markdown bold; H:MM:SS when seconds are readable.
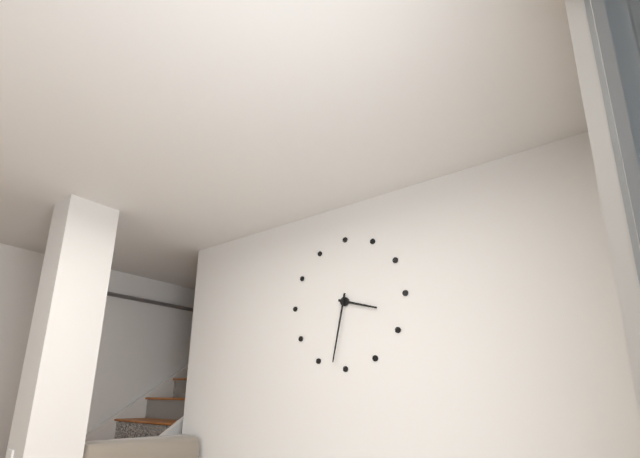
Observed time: **3:32**
